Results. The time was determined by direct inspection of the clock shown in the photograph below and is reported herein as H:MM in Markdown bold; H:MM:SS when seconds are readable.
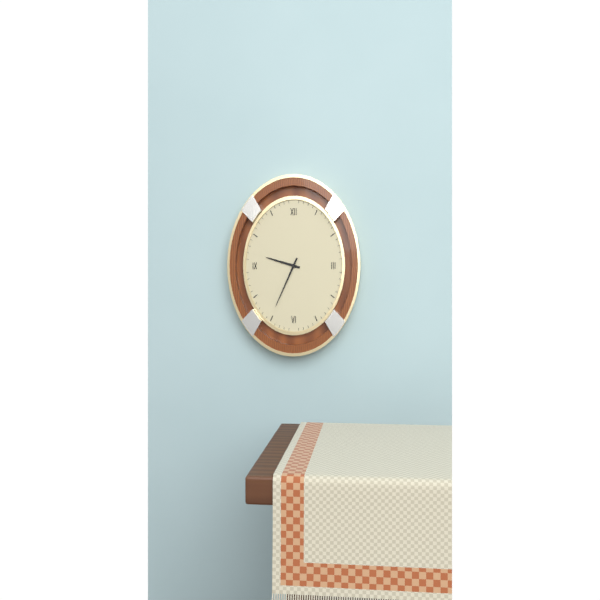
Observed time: **9:34**
